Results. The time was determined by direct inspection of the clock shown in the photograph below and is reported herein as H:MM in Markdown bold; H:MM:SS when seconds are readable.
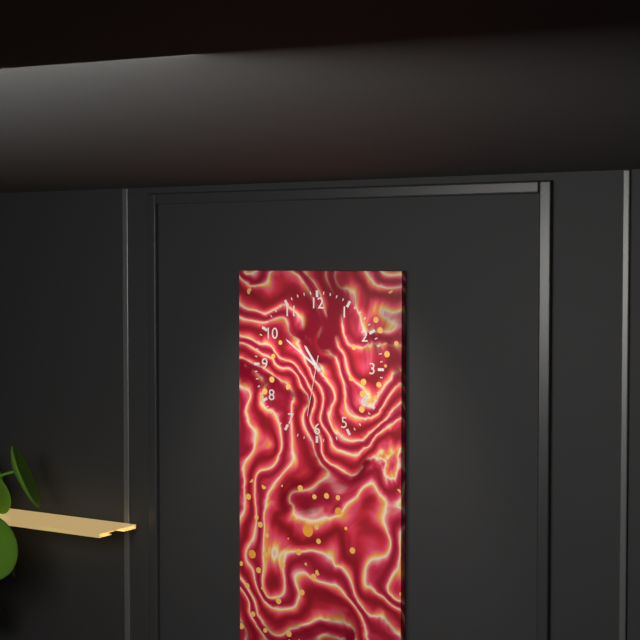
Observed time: **10:51:32**
